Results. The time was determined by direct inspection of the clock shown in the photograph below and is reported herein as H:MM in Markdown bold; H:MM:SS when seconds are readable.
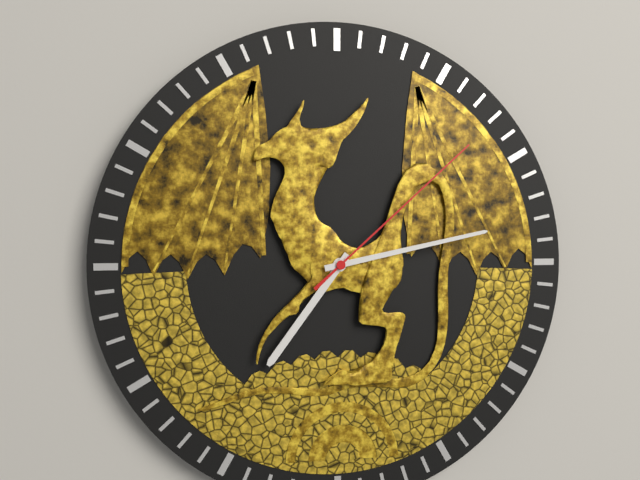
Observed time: **7:13:08**
